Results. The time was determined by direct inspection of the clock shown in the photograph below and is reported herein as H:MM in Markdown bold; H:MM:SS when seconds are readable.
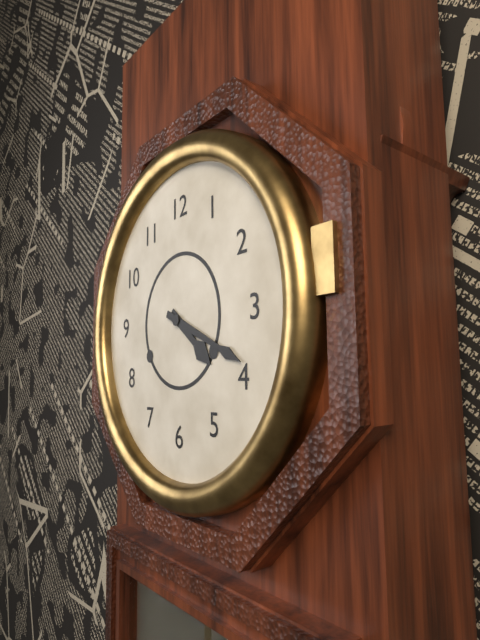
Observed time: **4:19**
